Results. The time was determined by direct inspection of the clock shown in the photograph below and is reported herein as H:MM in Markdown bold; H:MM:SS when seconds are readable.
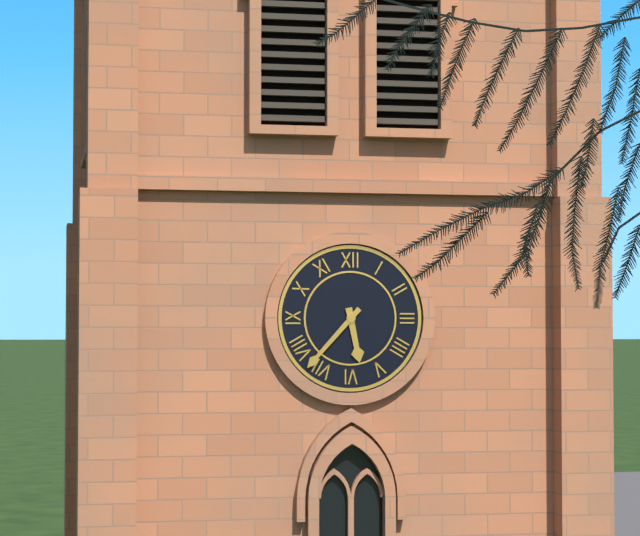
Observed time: **5:37**
